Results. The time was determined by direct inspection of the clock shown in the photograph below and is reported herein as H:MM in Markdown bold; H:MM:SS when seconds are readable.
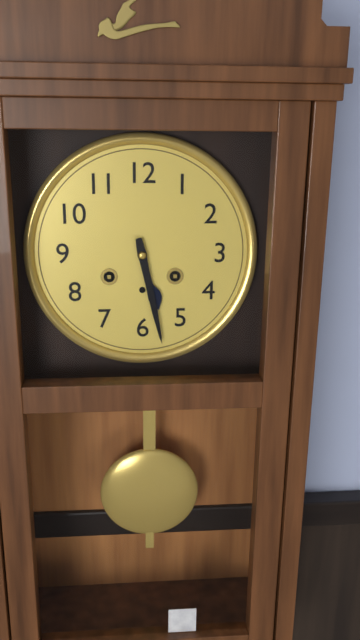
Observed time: **5:28**
